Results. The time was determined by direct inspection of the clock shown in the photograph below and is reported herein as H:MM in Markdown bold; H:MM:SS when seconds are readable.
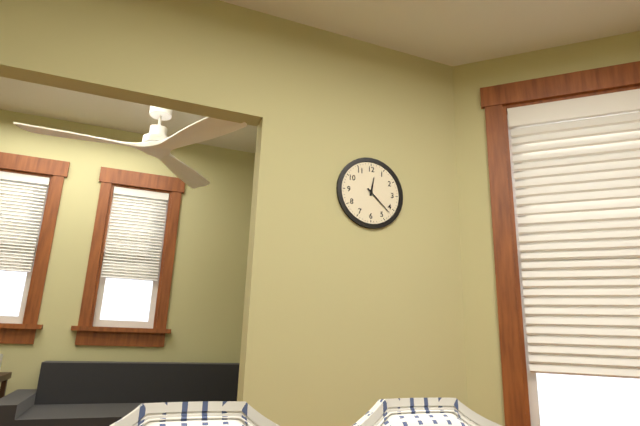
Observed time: **12:22**
